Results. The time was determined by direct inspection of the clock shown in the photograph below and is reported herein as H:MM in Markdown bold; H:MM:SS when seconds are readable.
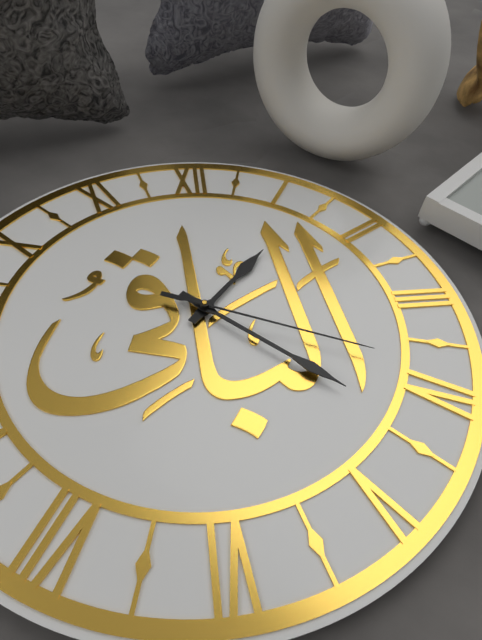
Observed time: **1:22:19**
